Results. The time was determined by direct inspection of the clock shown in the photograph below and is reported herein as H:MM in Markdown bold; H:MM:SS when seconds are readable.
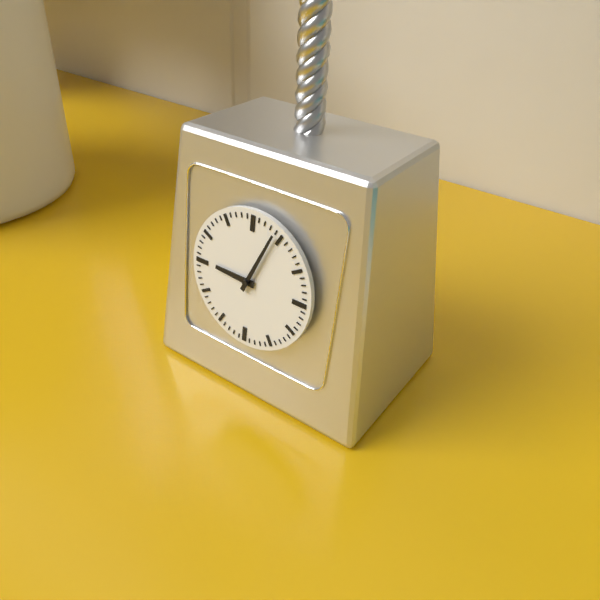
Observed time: **9:04**
